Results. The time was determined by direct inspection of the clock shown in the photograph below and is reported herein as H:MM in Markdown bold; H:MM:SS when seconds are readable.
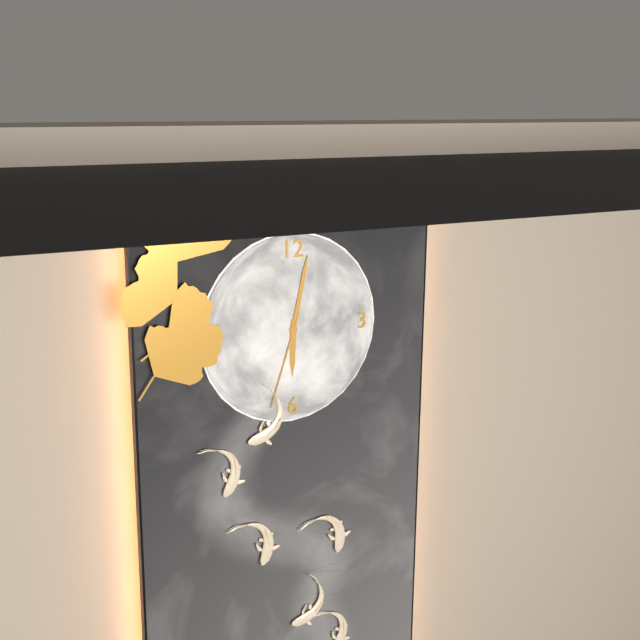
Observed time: **6:02:33**
